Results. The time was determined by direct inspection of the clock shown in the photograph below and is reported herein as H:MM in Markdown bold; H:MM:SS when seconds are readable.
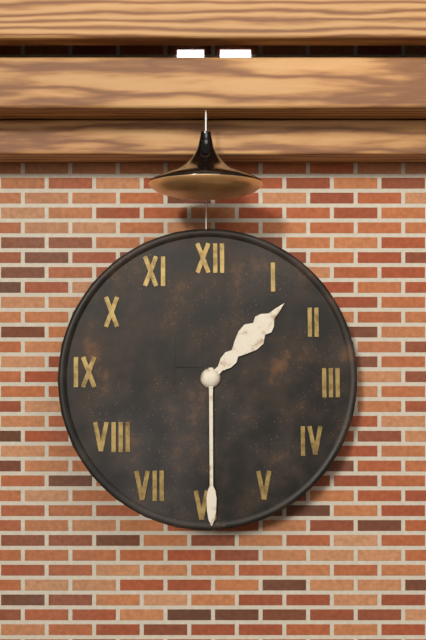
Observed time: **1:30**
